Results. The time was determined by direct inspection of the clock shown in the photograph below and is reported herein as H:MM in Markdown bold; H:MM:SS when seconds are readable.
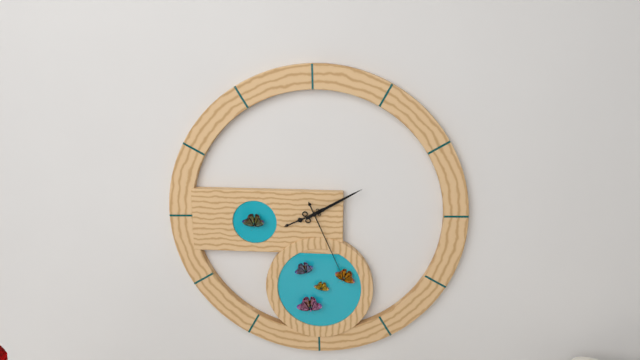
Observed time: **8:10:26**
